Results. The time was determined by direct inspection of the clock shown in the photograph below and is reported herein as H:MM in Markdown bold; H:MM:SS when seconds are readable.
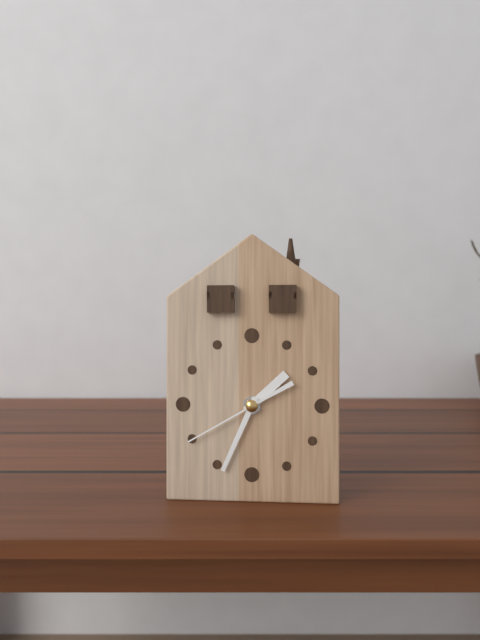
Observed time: **1:34:40**
